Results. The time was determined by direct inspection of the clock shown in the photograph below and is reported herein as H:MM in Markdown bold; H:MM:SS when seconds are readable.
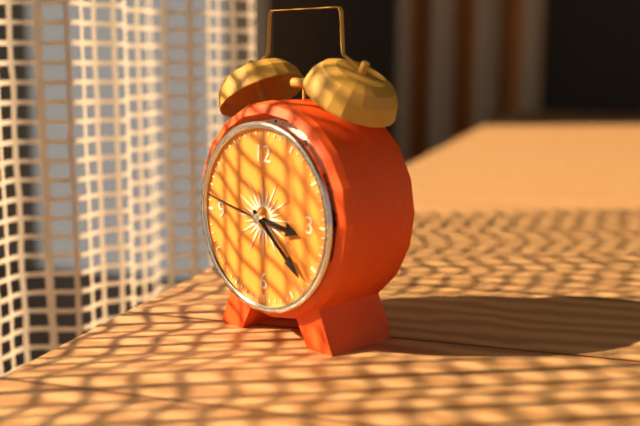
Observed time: **3:22:47**
